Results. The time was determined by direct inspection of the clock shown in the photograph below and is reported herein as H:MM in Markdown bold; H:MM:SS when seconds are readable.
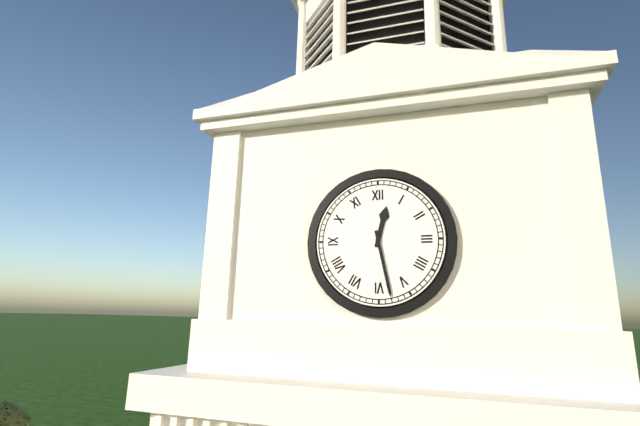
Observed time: **12:28**
